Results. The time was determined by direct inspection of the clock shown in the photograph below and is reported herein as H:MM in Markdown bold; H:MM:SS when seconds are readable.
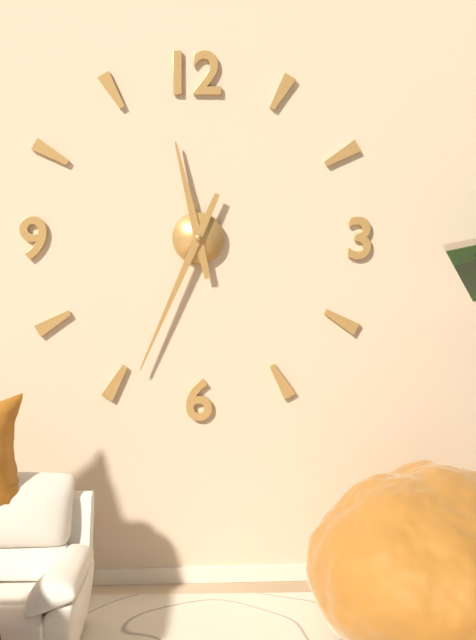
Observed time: **11:34**
